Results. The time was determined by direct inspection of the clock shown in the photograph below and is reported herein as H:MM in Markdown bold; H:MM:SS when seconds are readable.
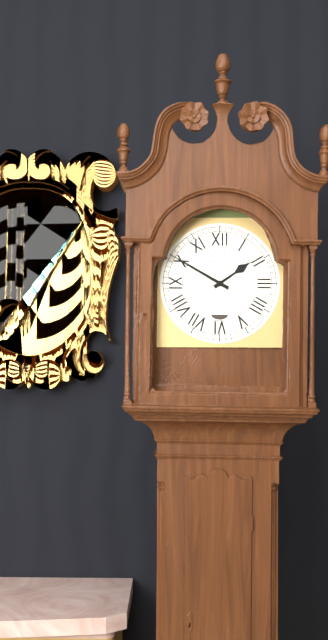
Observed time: **1:50**
